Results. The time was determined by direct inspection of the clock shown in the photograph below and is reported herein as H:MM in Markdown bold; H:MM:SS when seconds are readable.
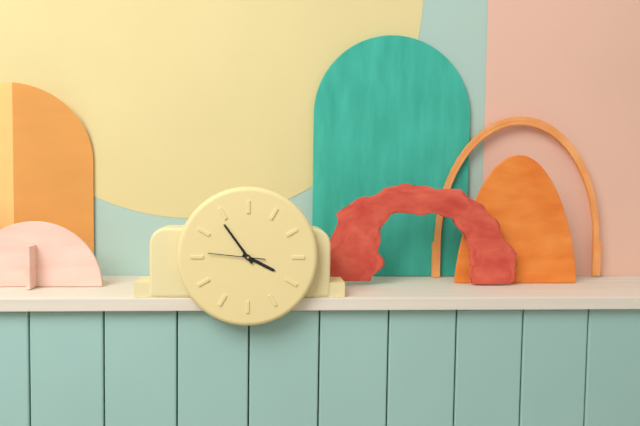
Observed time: **3:54:46**
